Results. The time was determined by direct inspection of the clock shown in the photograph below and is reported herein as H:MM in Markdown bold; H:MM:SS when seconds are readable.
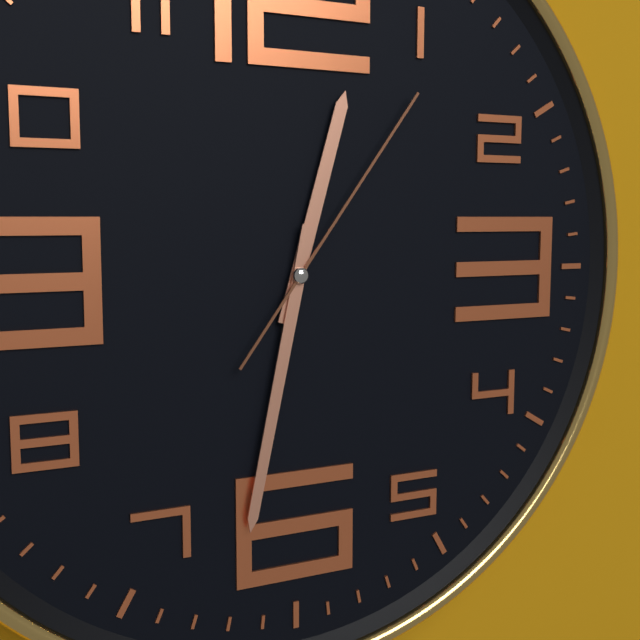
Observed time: **12:32:06**
